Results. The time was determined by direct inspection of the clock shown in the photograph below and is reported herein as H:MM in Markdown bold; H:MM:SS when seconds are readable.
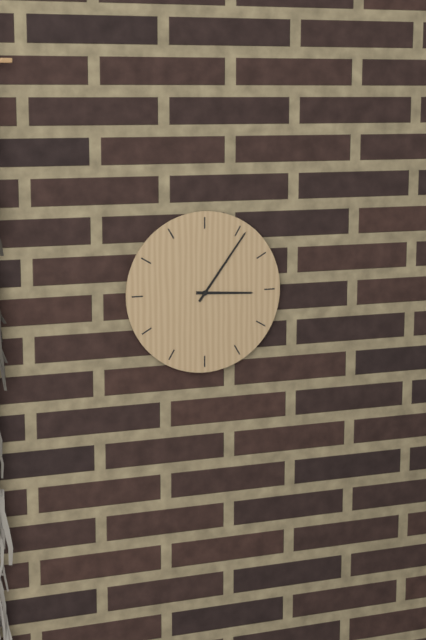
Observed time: **3:06**
